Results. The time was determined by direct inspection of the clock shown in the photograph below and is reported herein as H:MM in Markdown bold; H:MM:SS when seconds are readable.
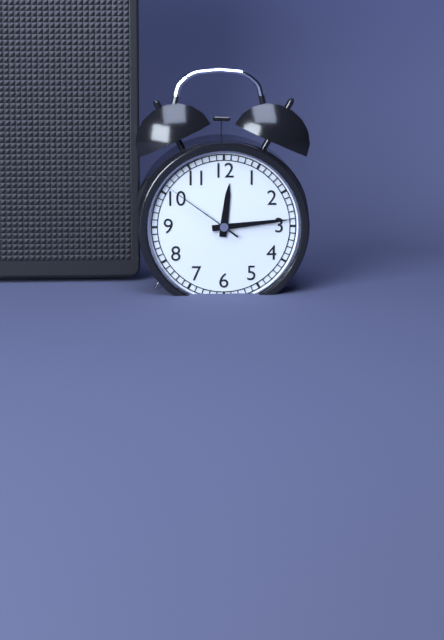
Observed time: **12:14:51**
